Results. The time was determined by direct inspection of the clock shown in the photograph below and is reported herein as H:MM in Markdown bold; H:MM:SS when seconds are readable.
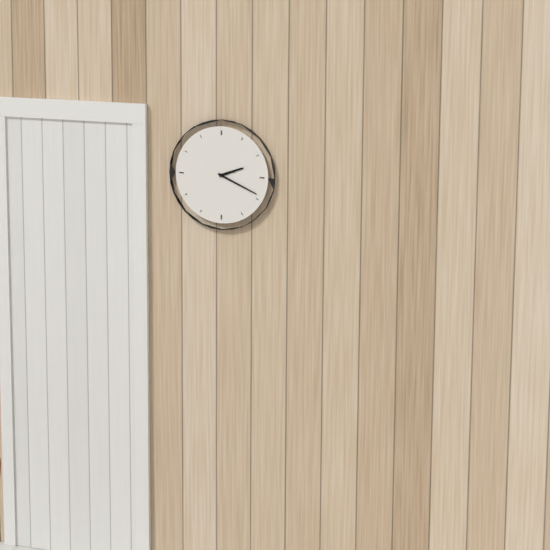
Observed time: **2:19**
